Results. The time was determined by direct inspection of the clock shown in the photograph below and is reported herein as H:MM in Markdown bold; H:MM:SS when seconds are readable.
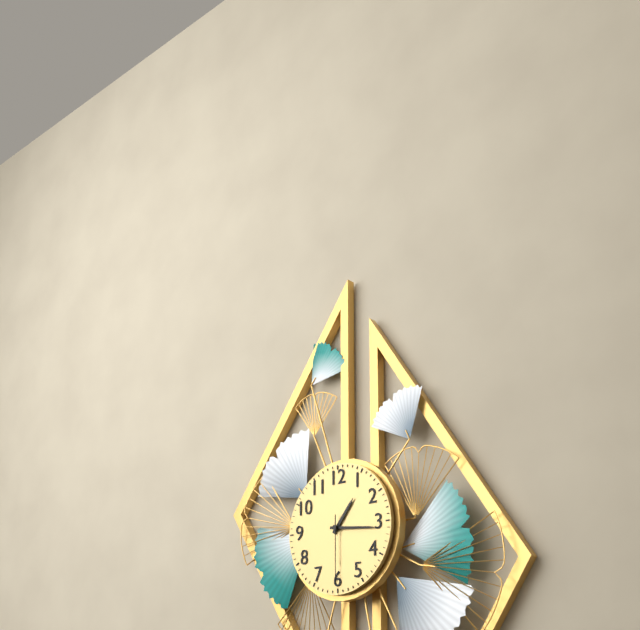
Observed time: **1:16:30**
